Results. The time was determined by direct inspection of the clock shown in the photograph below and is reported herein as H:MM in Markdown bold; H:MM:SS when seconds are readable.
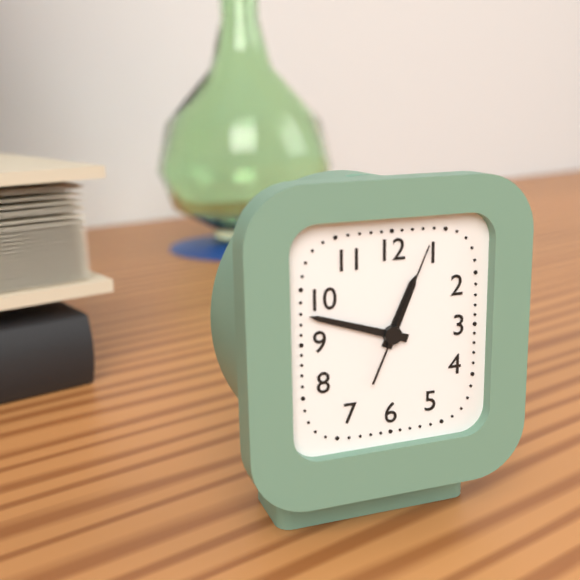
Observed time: **12:48:04**
